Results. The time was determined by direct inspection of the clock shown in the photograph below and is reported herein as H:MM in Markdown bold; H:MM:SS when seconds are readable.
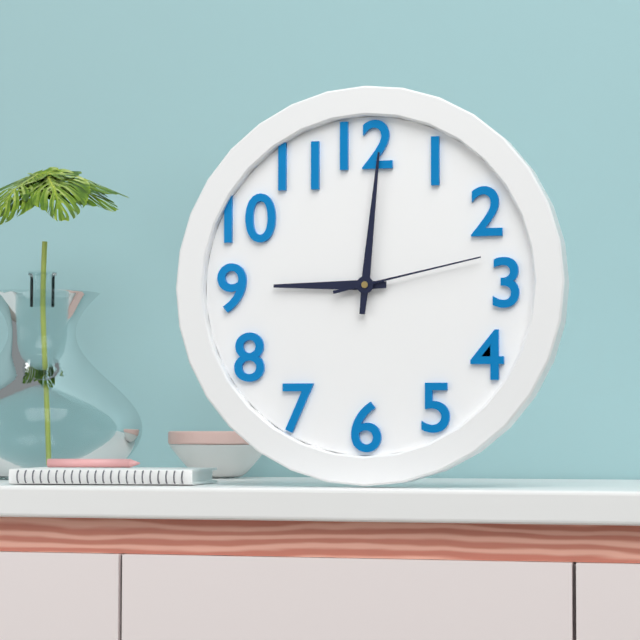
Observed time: **9:01:13**
